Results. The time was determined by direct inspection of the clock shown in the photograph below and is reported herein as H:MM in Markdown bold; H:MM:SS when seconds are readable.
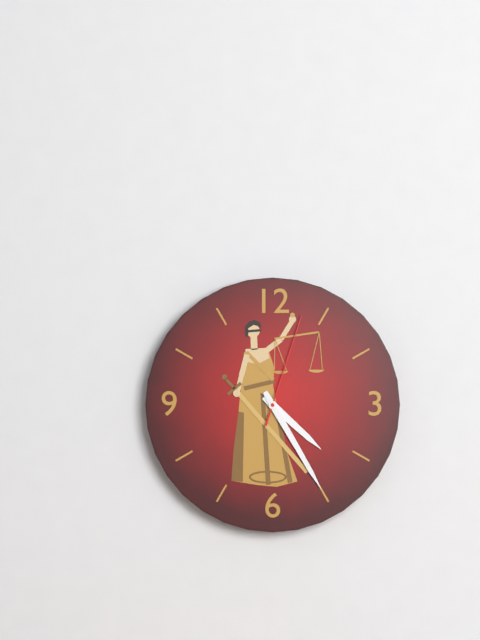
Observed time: **4:25:03**
